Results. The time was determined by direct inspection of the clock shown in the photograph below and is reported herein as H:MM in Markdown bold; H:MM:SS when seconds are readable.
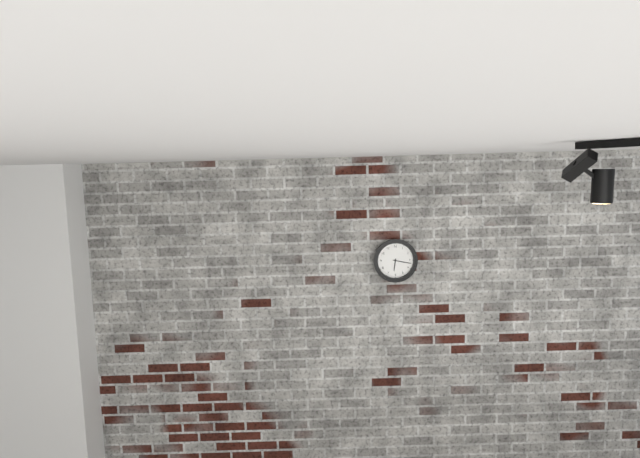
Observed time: **6:17**
